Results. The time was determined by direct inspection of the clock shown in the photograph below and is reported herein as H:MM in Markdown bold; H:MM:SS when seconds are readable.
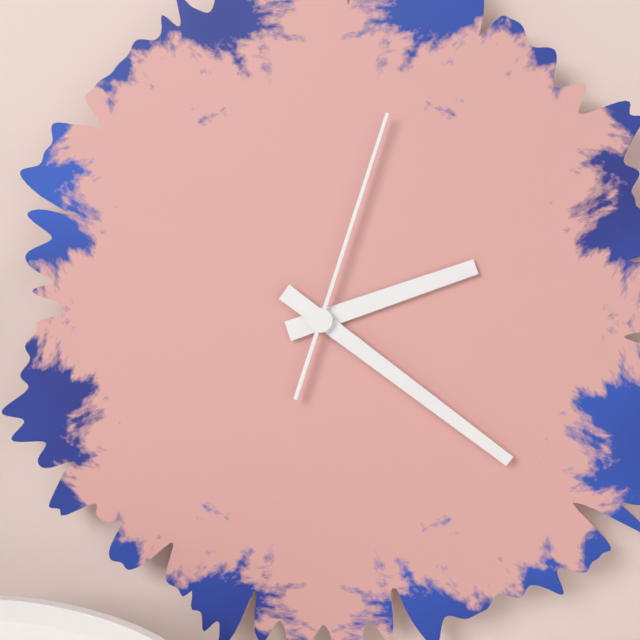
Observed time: **2:21:03**
